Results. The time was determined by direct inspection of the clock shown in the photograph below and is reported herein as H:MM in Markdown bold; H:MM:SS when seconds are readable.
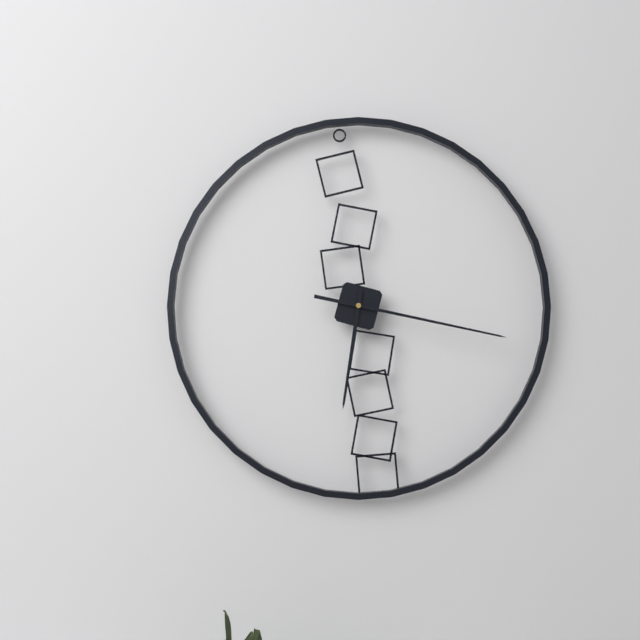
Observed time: **6:17**
